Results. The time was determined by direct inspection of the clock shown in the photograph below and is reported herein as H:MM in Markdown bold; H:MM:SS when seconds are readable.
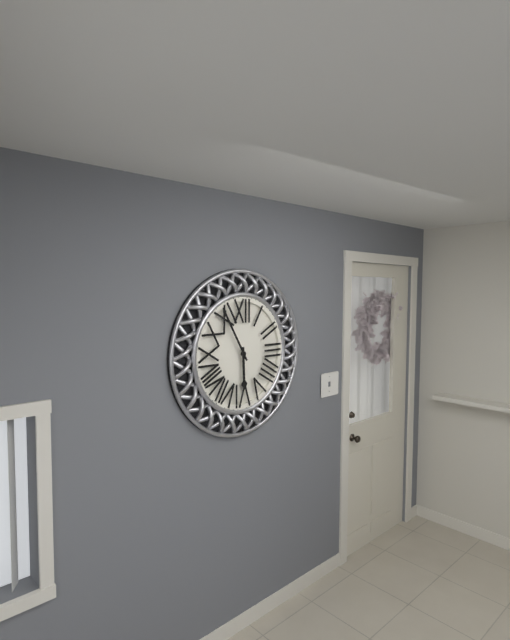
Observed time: **5:55**
